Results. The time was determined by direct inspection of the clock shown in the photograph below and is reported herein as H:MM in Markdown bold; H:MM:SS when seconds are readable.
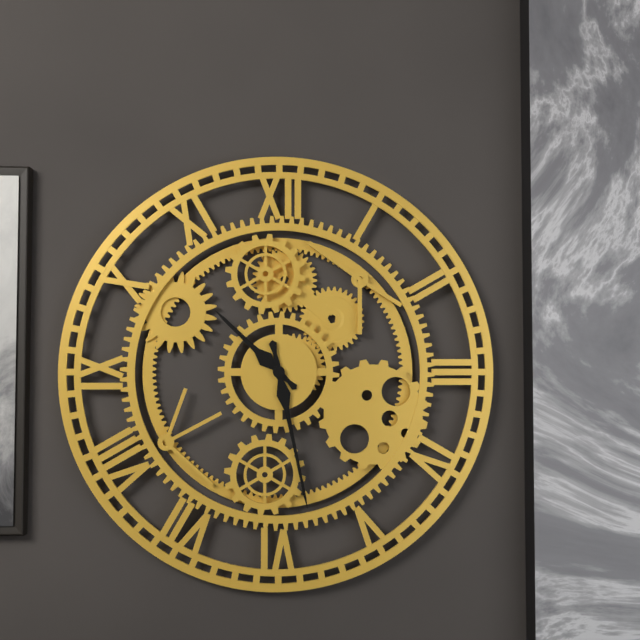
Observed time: **10:28**
